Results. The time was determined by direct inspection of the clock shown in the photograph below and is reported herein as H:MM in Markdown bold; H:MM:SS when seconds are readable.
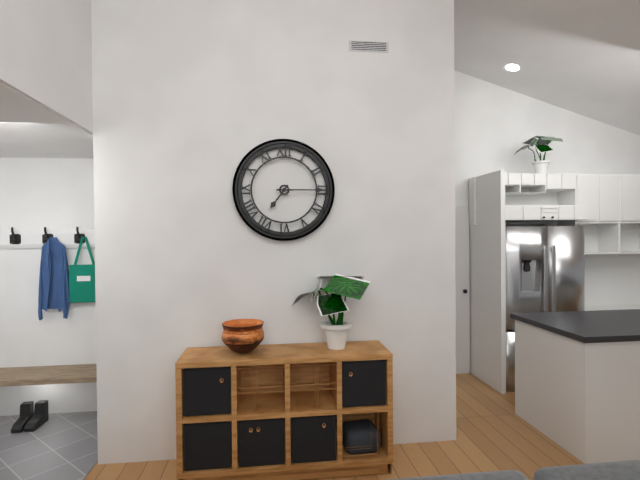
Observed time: **7:15**
